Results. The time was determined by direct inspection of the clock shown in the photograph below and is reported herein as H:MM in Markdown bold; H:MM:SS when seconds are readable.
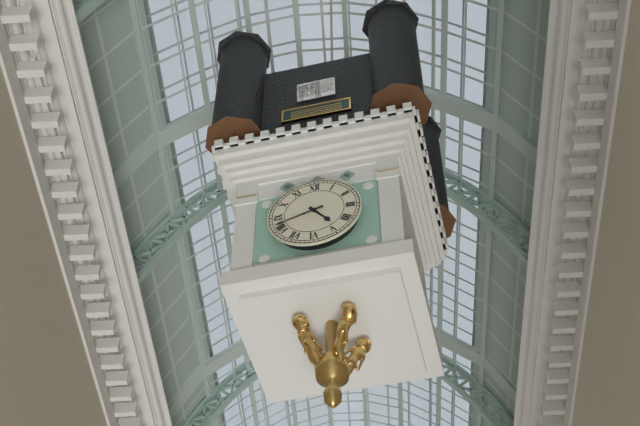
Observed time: **4:42**
